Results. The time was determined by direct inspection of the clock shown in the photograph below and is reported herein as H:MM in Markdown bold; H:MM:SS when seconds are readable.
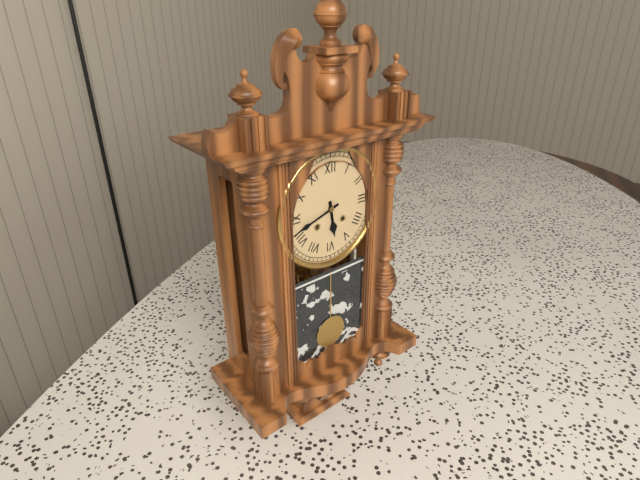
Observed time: **5:42**
